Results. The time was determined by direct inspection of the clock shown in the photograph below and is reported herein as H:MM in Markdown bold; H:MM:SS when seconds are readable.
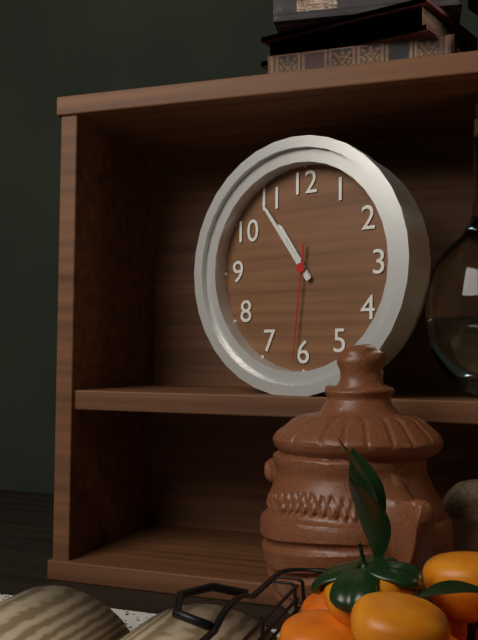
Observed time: **10:54:31**
